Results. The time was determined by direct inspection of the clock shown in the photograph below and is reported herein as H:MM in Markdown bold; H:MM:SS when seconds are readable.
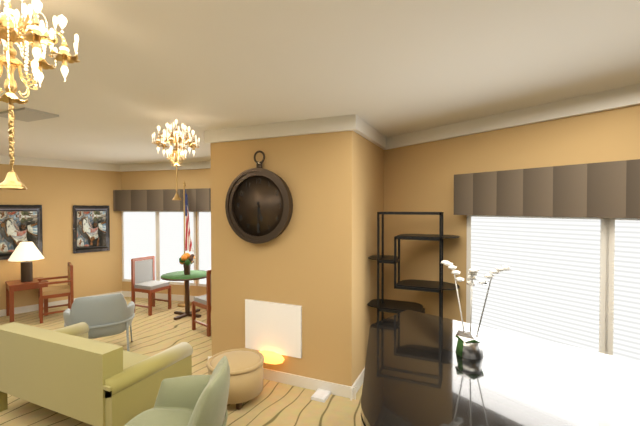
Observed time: **5:30**
